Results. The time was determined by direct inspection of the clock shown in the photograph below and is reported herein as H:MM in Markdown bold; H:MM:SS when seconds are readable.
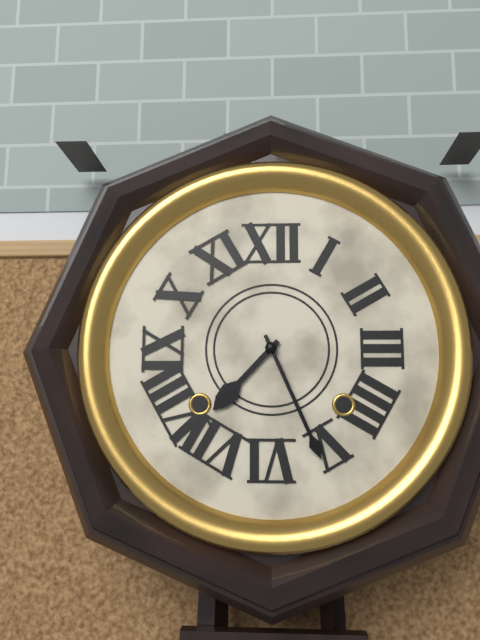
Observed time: **7:26**
